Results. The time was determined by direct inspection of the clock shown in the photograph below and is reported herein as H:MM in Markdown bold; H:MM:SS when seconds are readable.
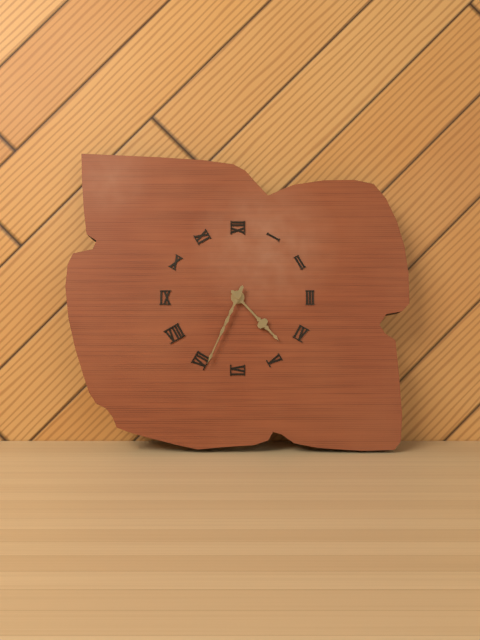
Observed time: **4:34**
